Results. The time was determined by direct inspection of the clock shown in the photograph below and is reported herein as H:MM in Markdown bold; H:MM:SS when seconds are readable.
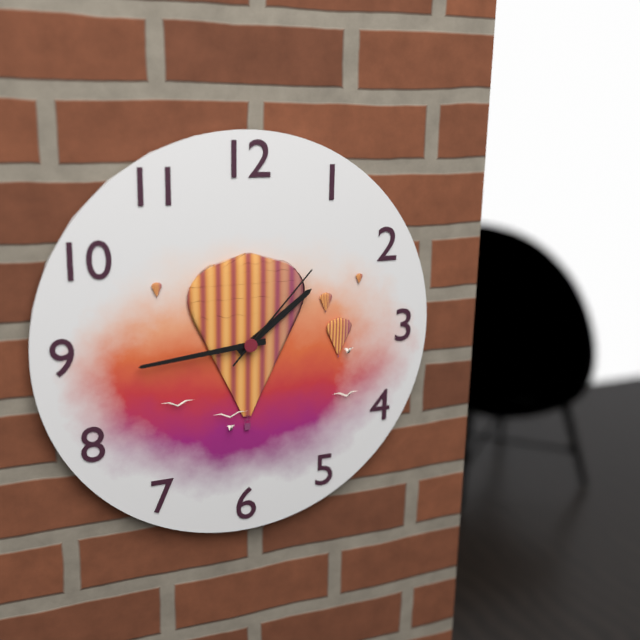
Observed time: **1:44:07**
